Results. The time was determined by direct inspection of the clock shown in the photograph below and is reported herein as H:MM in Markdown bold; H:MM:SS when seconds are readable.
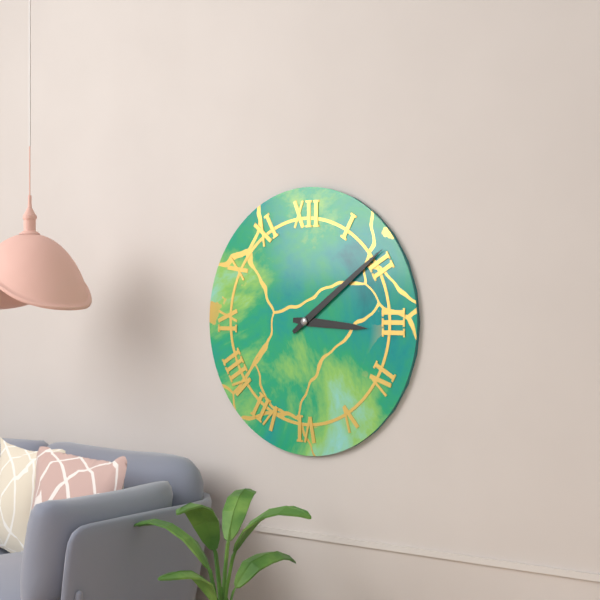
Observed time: **3:09**
